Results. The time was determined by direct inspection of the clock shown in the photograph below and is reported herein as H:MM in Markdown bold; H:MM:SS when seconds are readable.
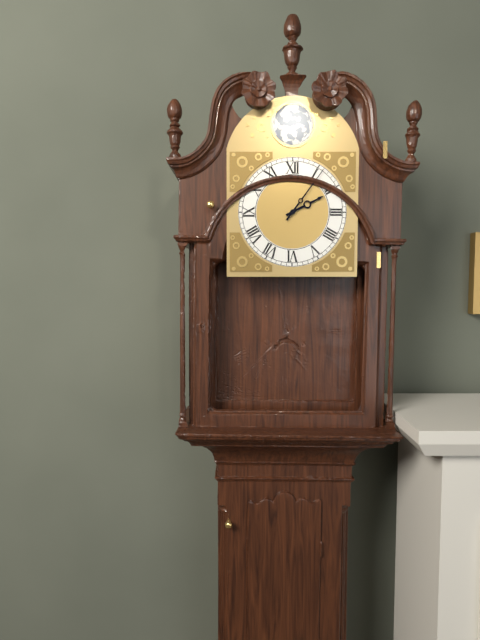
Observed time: **2:06**
